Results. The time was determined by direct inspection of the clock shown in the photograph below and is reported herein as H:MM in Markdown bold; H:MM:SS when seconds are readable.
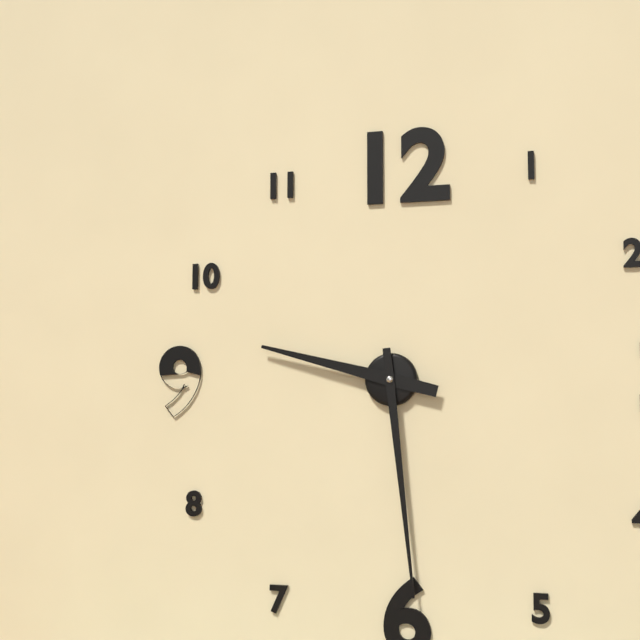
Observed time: **9:29**
